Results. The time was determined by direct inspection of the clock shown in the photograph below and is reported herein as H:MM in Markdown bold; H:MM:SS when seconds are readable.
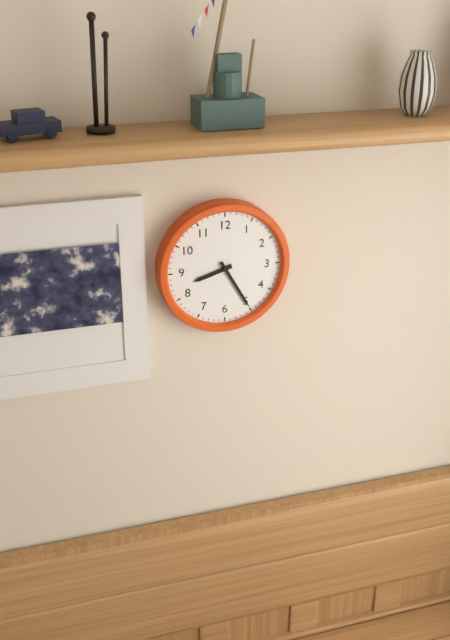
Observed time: **8:25**
